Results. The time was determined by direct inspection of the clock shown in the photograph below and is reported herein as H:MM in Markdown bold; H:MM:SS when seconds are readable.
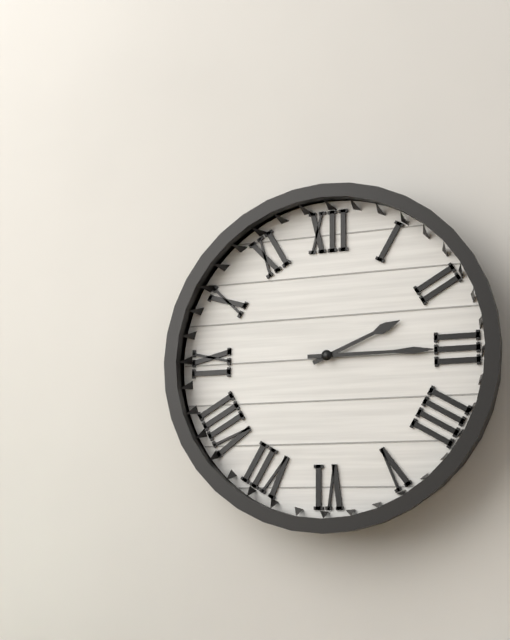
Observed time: **2:15**
